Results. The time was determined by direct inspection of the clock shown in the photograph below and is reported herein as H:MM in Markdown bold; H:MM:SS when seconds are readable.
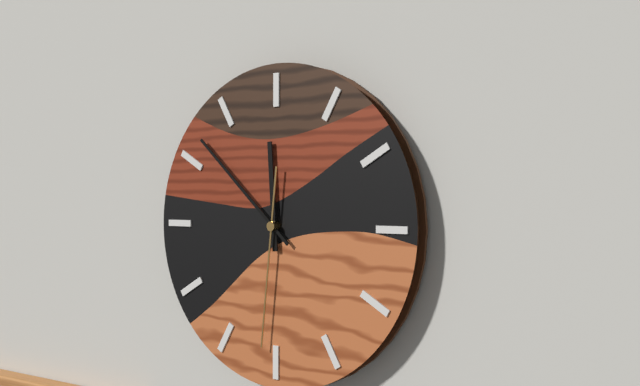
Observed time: **11:52:31**
